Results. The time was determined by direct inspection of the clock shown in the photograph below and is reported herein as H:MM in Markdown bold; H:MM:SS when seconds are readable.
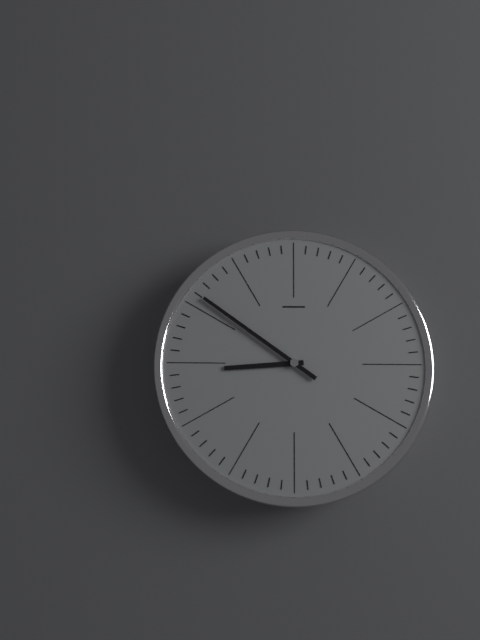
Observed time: **8:51**
